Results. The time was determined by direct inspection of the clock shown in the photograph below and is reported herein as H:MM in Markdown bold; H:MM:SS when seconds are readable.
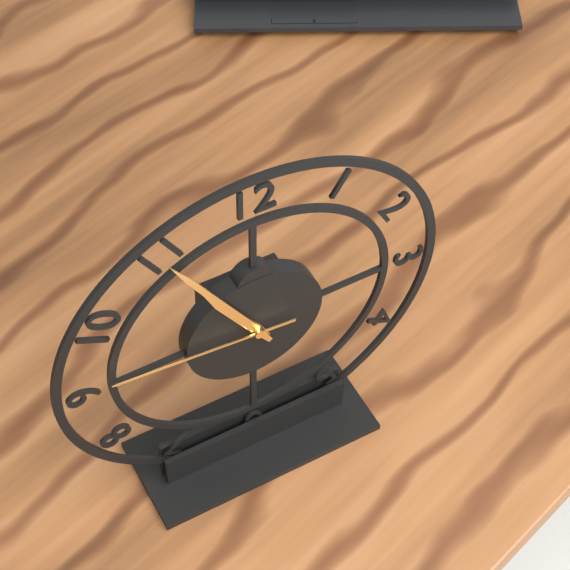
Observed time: **10:55:46**
